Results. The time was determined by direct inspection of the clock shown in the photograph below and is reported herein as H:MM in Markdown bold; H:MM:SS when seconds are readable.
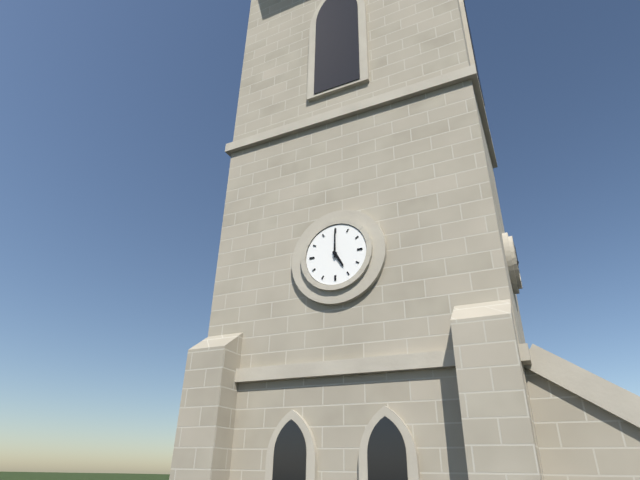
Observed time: **5:00**
